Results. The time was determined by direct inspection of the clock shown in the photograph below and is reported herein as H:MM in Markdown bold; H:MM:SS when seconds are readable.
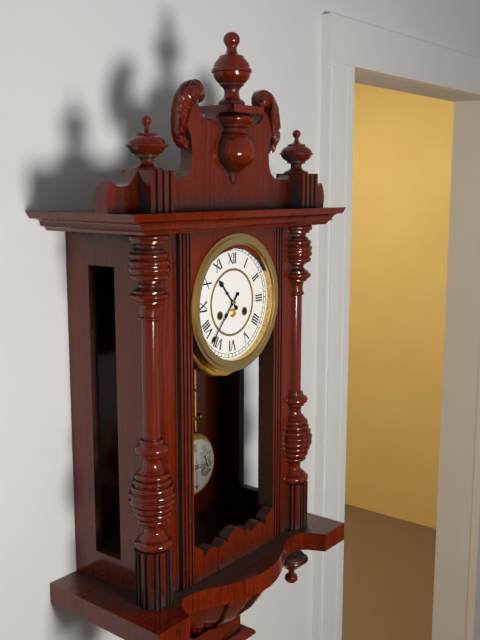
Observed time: **10:37**
